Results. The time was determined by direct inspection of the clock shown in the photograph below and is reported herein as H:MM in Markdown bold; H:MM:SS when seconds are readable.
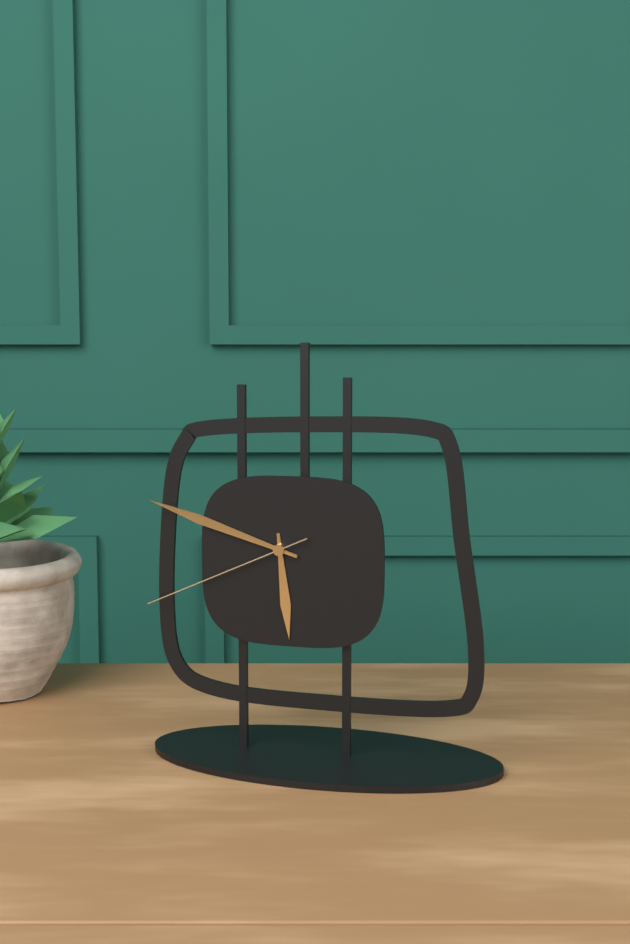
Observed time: **5:48:41**
